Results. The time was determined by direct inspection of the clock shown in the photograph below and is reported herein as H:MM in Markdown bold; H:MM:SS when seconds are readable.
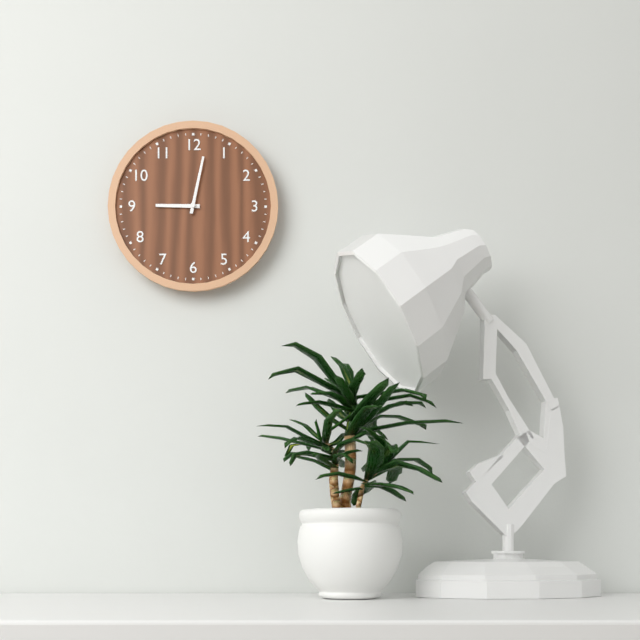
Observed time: **9:02**
